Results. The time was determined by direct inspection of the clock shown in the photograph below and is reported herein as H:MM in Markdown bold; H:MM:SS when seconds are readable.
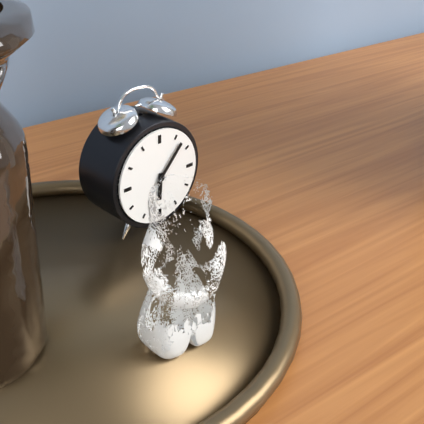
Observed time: **6:07**
